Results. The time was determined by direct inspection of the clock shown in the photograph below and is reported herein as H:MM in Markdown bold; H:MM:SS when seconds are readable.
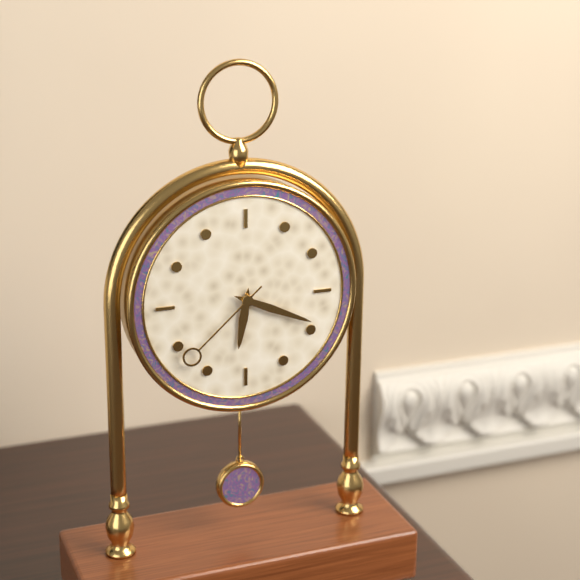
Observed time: **6:19:38**
